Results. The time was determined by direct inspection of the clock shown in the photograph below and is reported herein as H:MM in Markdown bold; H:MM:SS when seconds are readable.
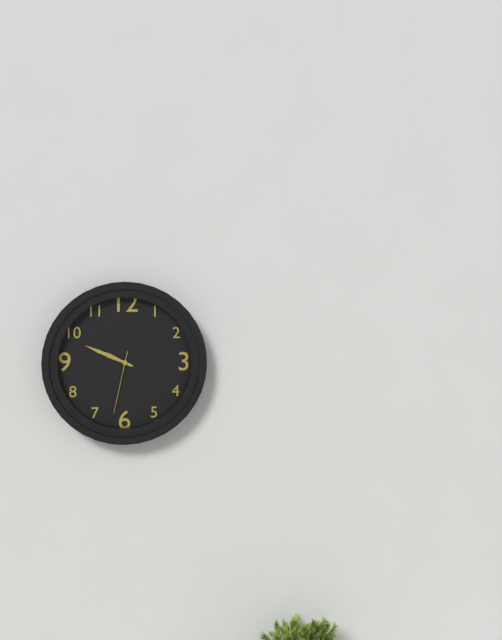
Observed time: **9:49:32**
